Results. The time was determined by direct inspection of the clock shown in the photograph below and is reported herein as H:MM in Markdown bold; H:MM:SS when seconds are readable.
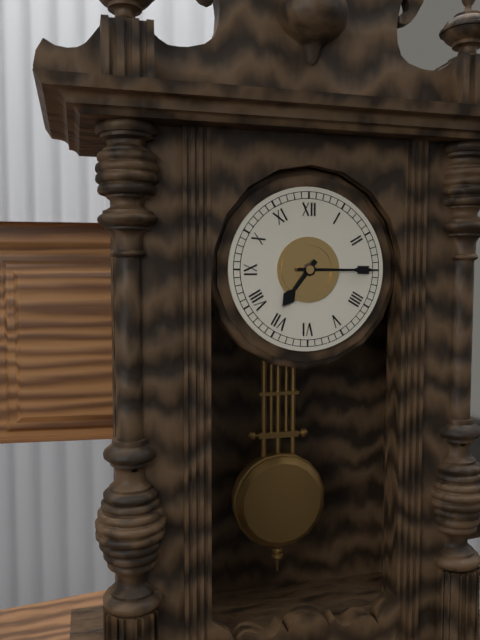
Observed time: **7:15**
